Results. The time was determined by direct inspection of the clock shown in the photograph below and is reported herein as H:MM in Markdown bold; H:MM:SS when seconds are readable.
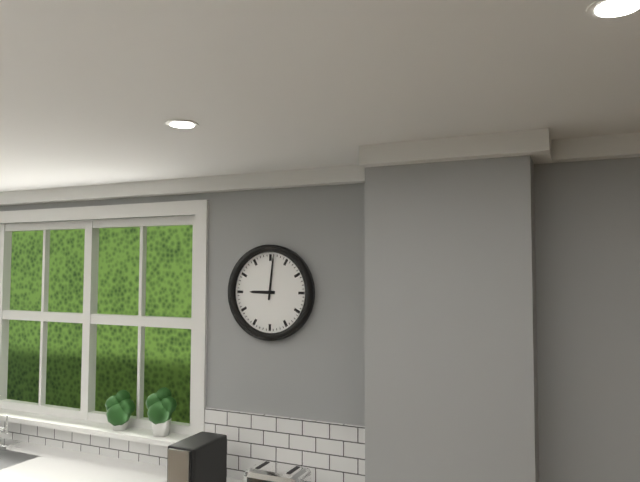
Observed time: **9:01**
